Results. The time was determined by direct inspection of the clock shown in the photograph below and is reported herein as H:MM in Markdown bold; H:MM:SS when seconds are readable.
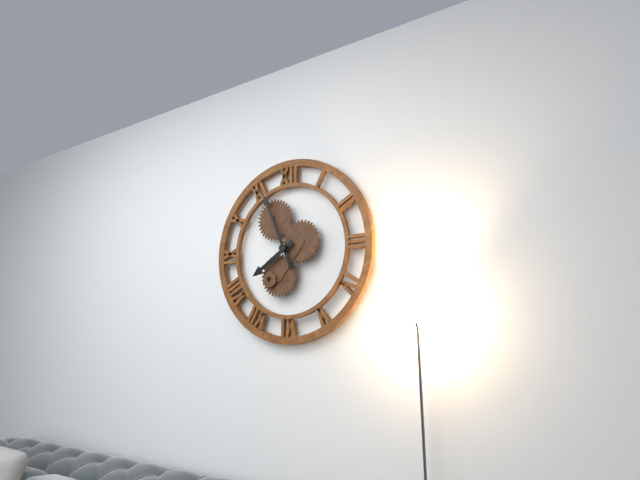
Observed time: **7:56**
